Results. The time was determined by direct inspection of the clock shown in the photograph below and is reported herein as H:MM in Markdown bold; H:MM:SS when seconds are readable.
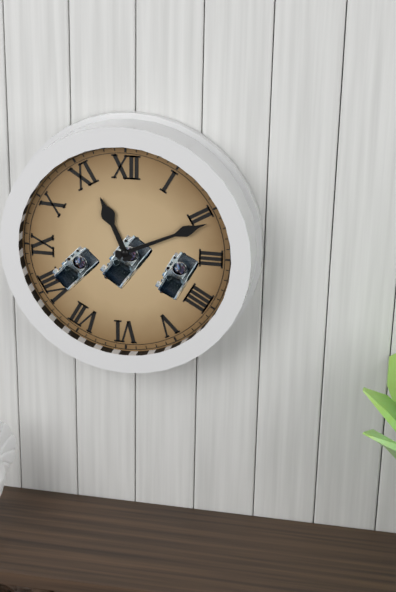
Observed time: **11:11**
